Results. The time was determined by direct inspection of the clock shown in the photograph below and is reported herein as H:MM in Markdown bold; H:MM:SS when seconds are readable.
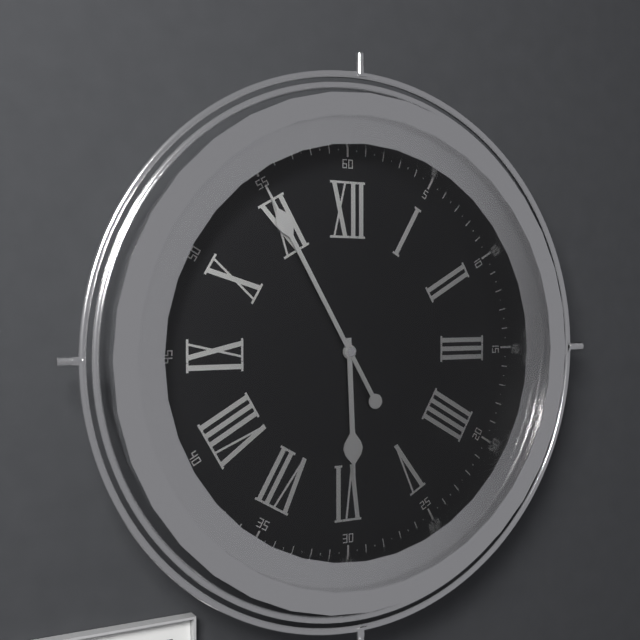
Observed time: **5:55**
